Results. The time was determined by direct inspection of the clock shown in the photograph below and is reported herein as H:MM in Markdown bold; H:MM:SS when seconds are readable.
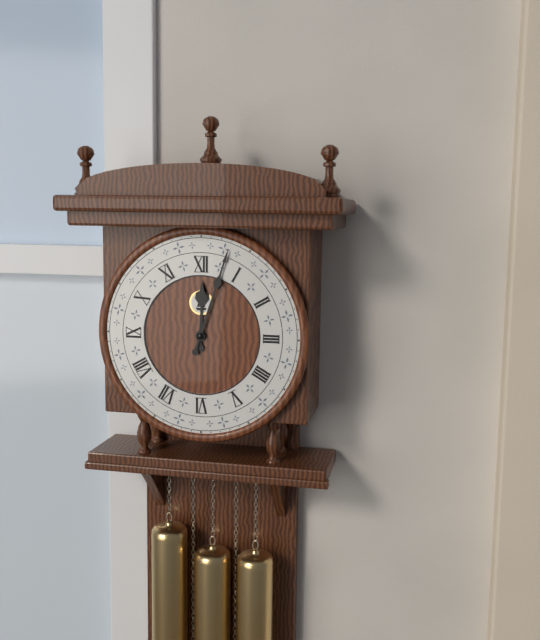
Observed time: **12:03**
